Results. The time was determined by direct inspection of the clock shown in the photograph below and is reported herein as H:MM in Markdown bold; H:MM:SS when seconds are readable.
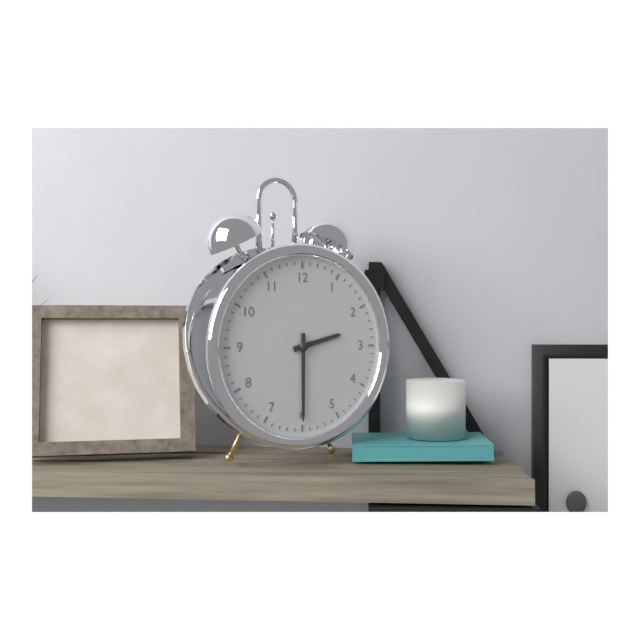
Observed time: **2:30**
